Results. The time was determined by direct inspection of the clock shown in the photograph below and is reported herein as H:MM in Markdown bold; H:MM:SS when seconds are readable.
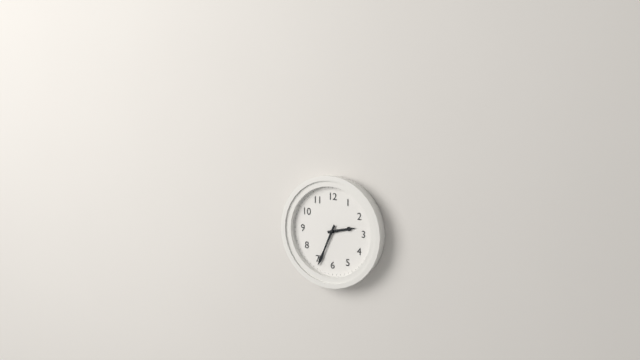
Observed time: **2:34**
